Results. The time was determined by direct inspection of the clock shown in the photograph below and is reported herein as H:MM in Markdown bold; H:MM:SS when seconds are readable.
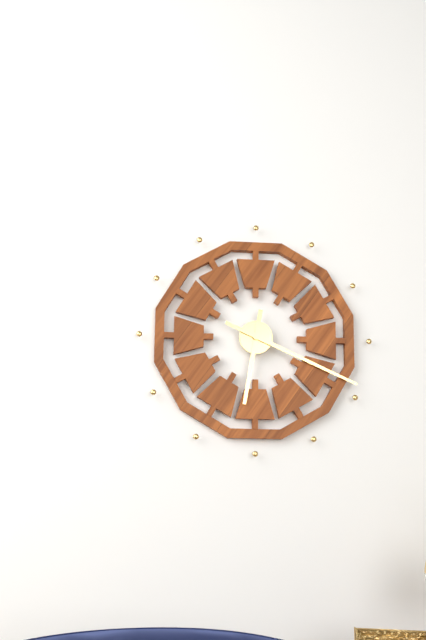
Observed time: **6:19**
